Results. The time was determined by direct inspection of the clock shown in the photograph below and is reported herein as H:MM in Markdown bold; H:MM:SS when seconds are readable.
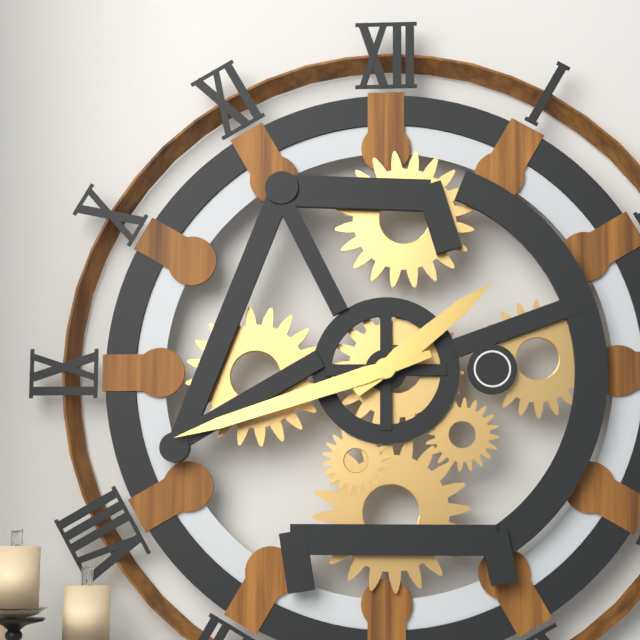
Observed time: **1:42**
